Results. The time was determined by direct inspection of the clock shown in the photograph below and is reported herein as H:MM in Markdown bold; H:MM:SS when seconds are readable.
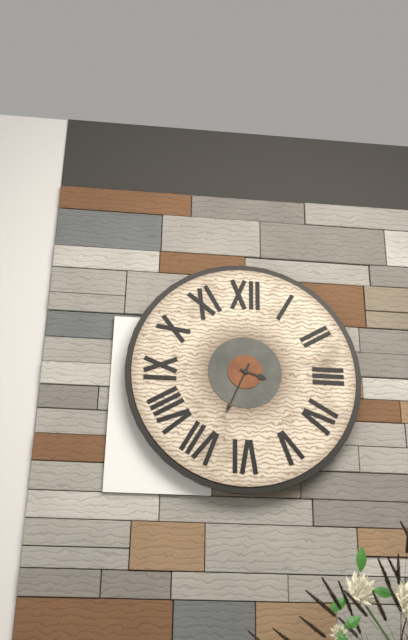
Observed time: **3:34**
